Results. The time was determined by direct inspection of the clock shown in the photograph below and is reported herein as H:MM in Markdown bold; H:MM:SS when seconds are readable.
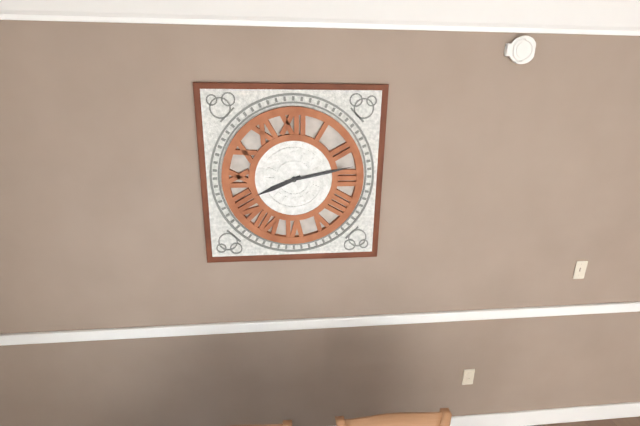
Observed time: **8:13**
